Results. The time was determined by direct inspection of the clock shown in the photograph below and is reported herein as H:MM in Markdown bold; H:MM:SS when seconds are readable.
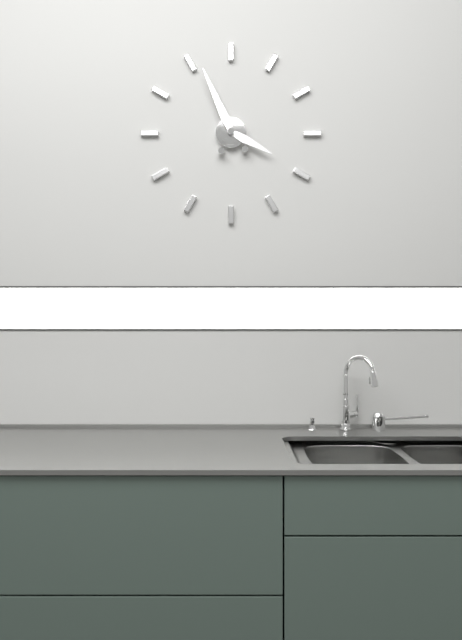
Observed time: **3:56**
